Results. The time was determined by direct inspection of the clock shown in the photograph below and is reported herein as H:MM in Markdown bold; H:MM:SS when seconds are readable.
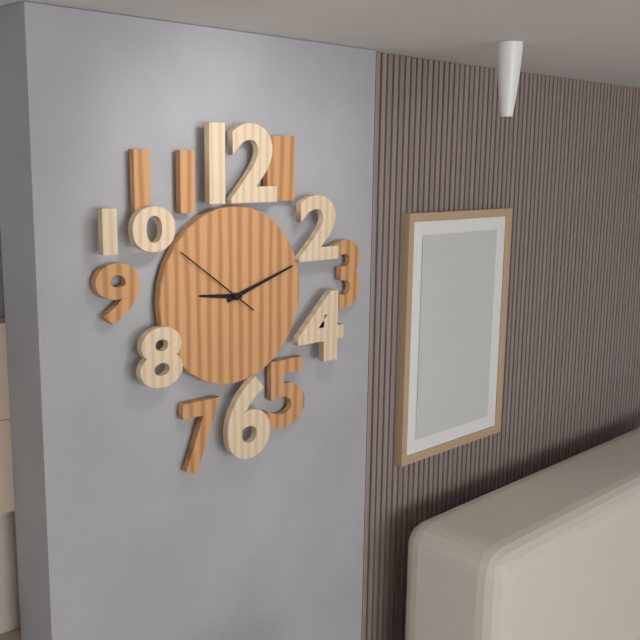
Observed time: **9:12:51**
